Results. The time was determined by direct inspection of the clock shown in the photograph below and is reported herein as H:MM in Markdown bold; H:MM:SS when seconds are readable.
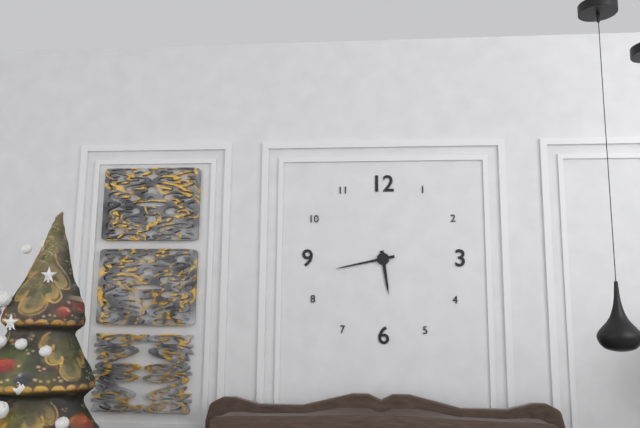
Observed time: **5:43**
